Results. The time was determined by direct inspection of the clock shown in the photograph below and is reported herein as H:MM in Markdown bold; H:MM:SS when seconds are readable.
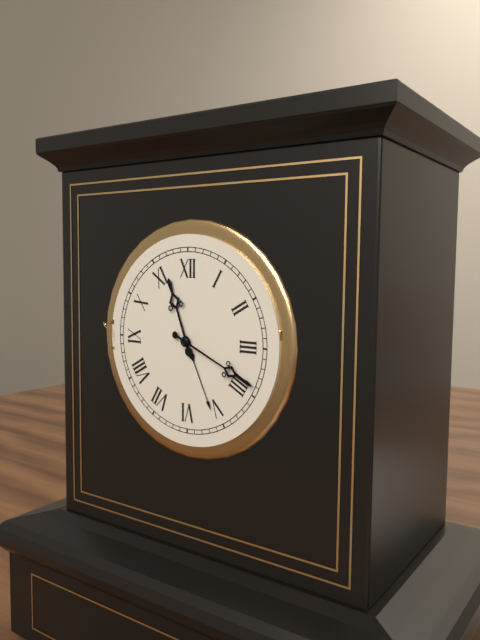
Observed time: **11:19**
